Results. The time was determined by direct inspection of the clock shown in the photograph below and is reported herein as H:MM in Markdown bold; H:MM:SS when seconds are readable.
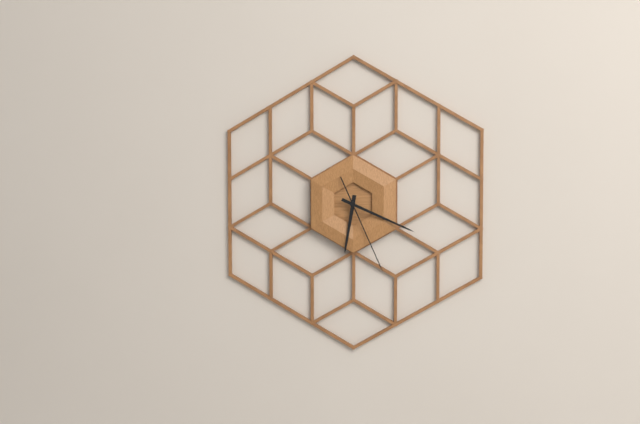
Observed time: **6:19:26**
